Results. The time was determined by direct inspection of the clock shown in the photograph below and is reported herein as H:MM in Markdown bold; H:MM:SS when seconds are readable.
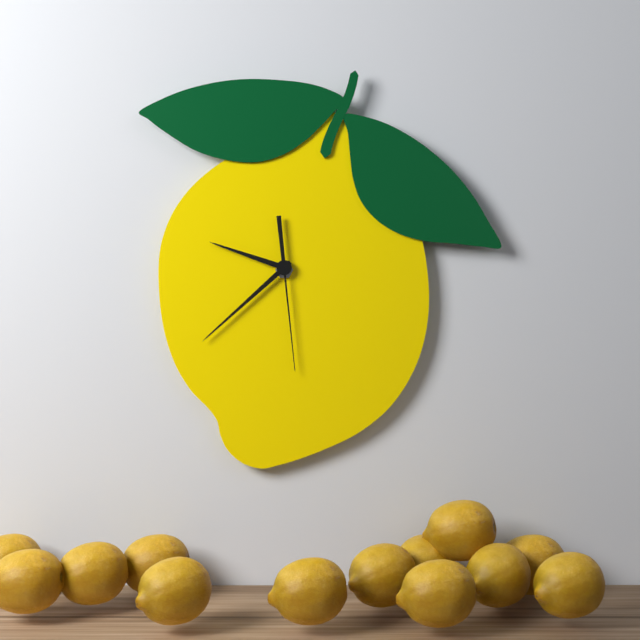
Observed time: **9:38:29**
